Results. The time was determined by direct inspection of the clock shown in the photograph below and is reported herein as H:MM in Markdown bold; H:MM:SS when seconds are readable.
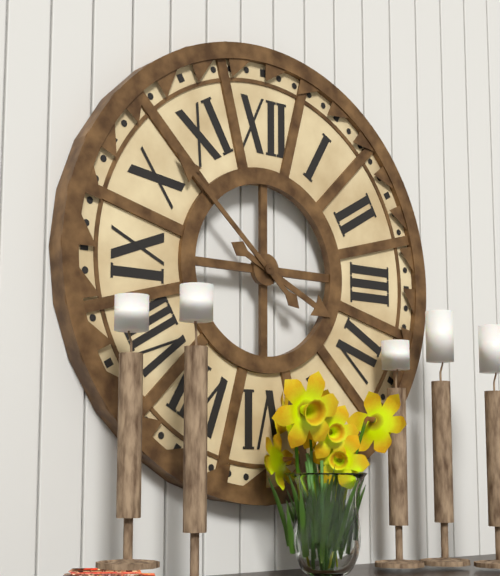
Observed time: **3:52**
